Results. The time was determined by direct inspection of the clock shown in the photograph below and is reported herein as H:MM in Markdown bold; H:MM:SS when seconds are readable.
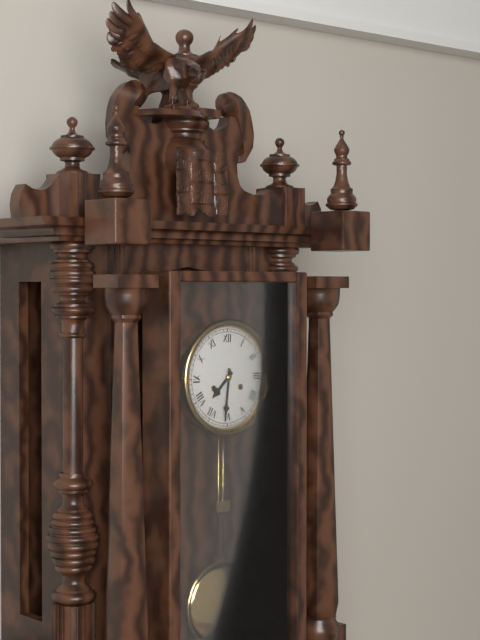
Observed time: **7:31**
